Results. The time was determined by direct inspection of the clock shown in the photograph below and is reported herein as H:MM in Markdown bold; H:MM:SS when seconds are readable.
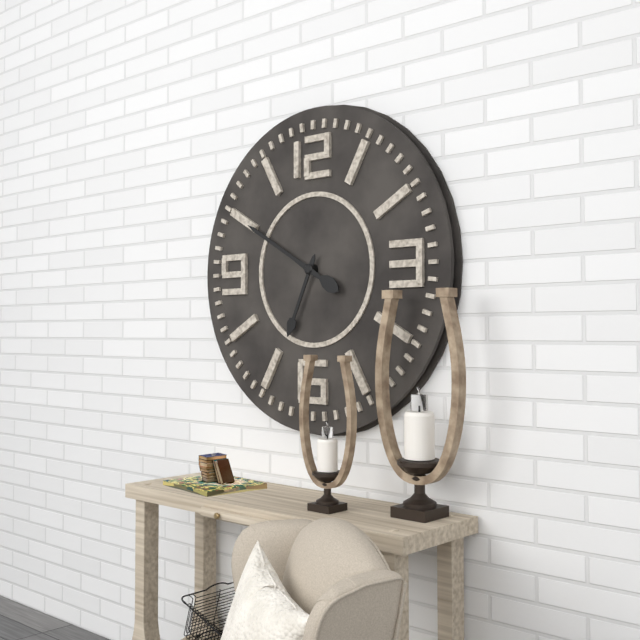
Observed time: **6:50**
